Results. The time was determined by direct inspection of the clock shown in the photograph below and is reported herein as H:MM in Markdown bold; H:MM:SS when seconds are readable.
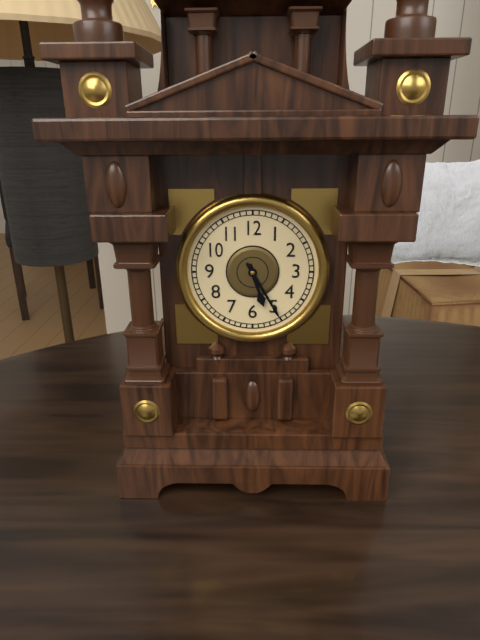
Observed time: **5:25**
